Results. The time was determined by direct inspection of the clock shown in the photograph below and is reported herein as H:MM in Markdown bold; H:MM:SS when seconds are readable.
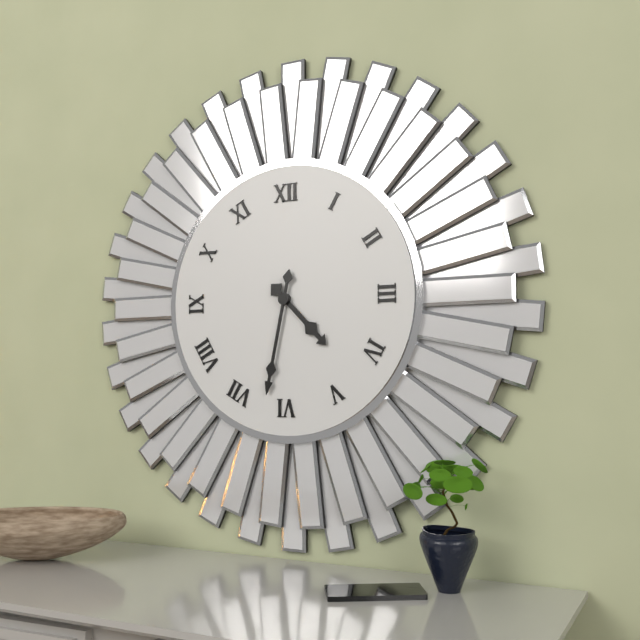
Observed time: **4:32**
